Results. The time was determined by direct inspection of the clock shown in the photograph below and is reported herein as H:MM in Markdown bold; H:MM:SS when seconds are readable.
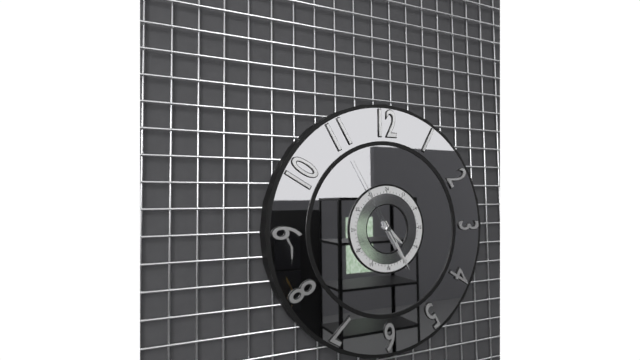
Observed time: **4:25:55**
